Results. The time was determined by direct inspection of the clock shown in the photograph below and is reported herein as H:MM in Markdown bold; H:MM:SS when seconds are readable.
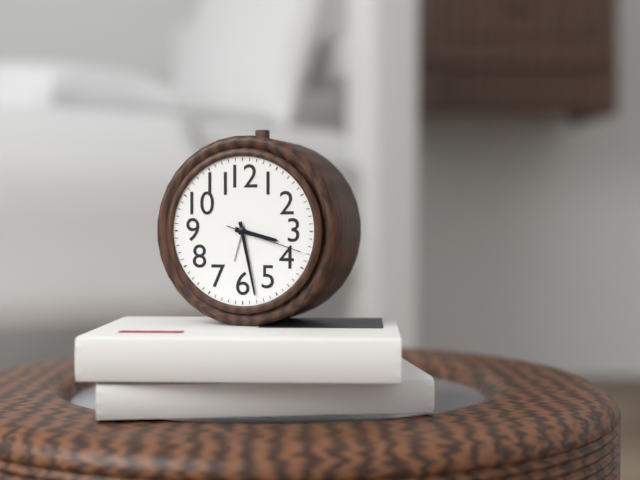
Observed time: **3:28:18**
